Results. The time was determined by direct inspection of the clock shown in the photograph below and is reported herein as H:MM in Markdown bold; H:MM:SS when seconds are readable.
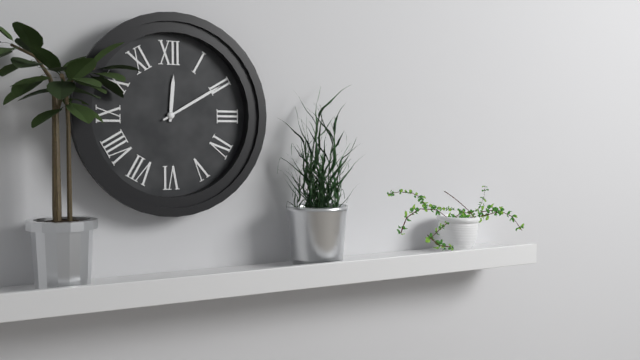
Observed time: **12:10**
